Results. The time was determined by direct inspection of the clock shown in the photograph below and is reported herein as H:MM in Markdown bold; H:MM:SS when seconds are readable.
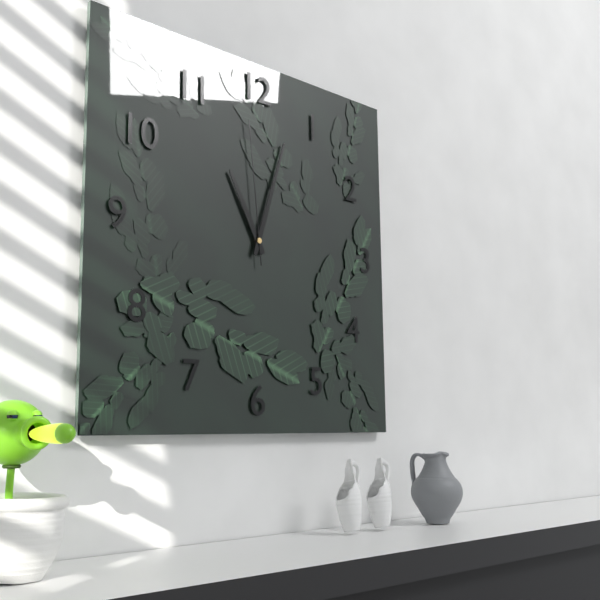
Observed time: **11:03:59**
